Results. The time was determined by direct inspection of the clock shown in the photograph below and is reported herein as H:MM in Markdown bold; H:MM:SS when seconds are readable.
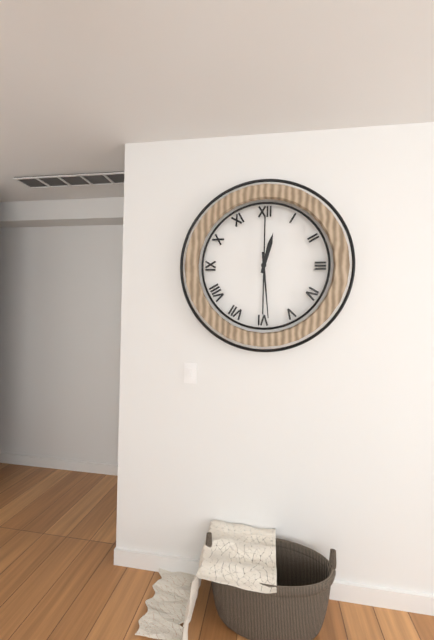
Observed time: **12:29**
